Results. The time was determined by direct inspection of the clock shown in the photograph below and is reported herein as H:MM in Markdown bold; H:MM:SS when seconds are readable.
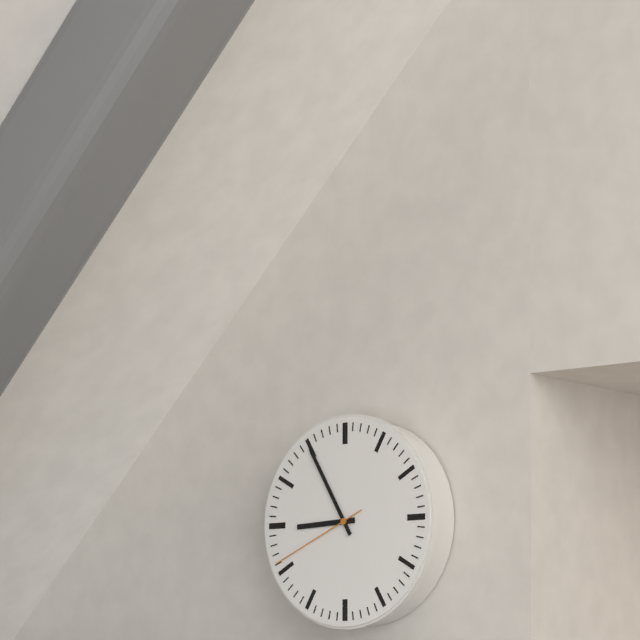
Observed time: **8:55:41**
